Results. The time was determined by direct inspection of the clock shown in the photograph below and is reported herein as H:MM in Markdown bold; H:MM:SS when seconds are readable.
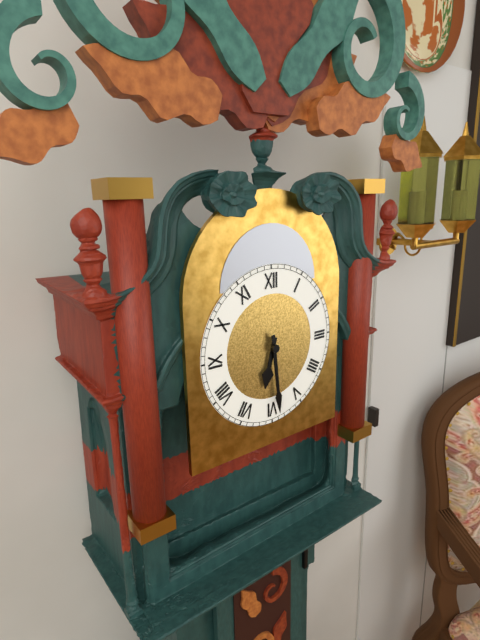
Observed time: **6:29**
